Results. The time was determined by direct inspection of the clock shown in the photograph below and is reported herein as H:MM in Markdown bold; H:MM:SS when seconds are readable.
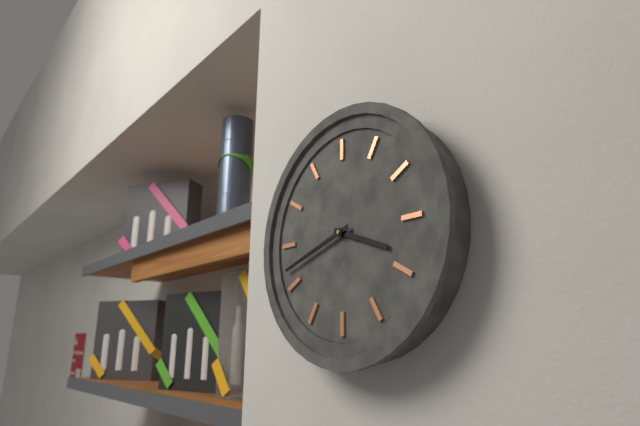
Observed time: **3:42**
